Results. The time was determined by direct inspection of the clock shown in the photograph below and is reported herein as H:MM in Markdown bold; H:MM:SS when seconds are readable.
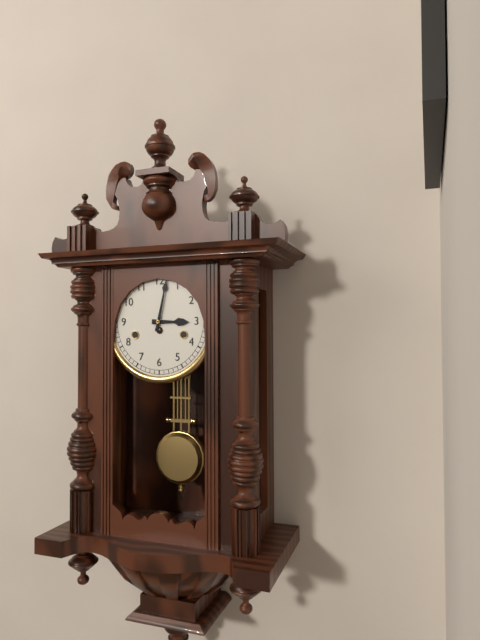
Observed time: **3:02**
